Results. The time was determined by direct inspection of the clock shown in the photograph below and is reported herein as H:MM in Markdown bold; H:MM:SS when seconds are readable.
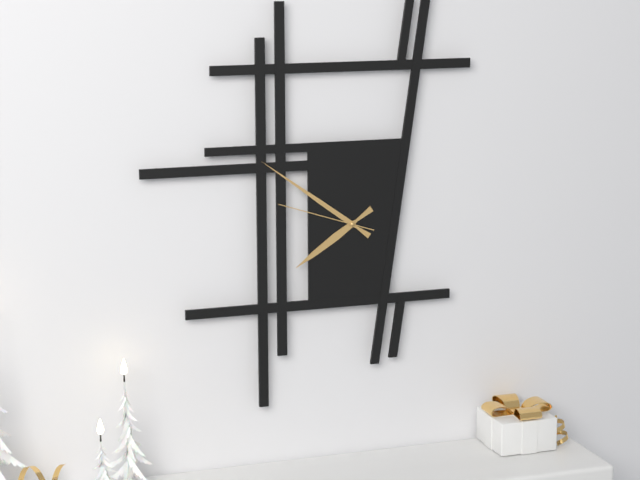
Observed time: **7:51:48**
